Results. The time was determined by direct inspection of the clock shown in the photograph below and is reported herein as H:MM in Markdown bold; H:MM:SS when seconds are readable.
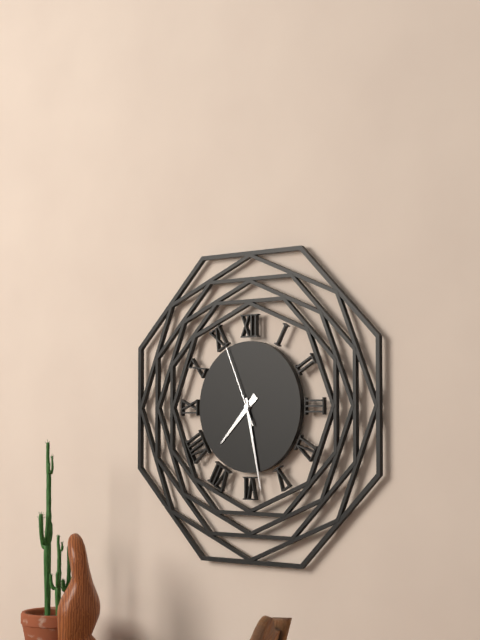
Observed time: **7:28:56**
